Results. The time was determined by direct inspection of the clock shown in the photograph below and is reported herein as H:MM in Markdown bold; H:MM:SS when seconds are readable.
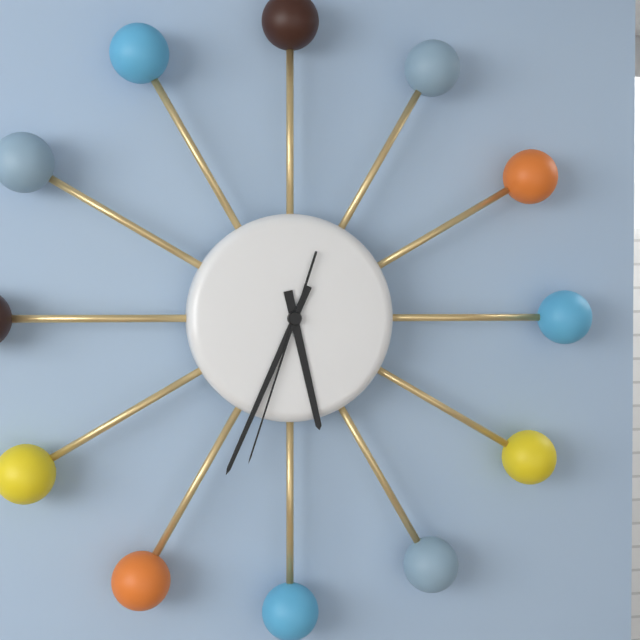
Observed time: **5:34:33**
